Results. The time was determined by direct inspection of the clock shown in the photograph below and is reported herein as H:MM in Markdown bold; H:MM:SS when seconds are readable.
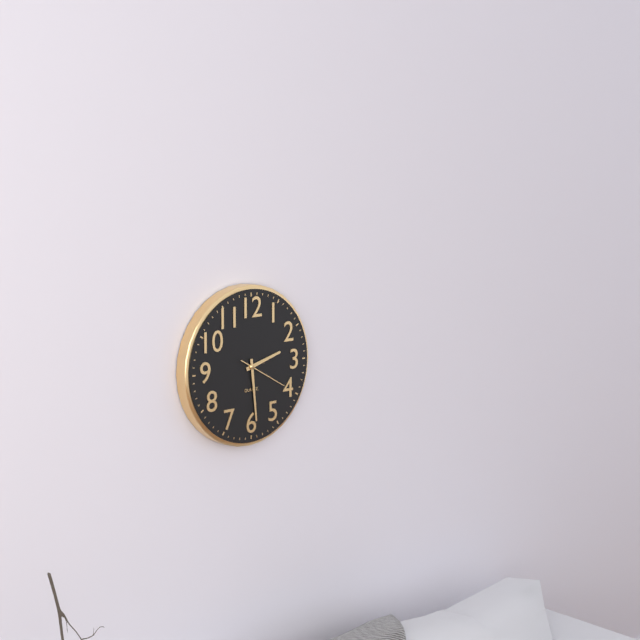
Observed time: **2:29**
